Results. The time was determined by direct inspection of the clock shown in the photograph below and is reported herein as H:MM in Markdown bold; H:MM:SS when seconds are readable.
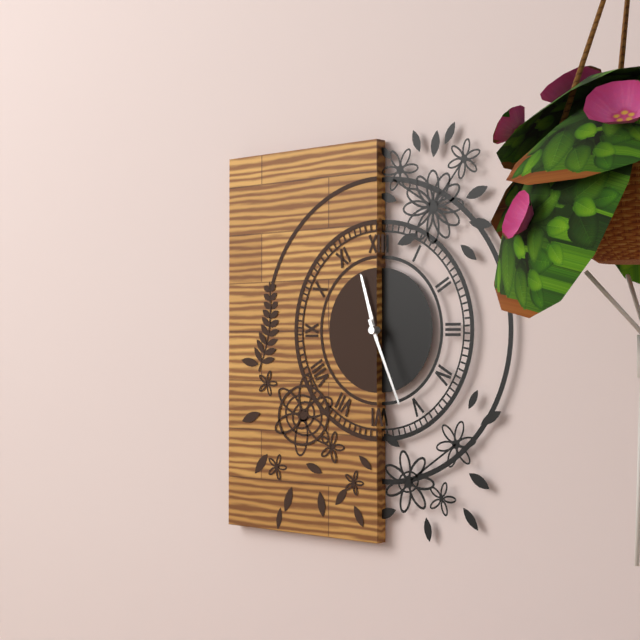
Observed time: **11:26**
